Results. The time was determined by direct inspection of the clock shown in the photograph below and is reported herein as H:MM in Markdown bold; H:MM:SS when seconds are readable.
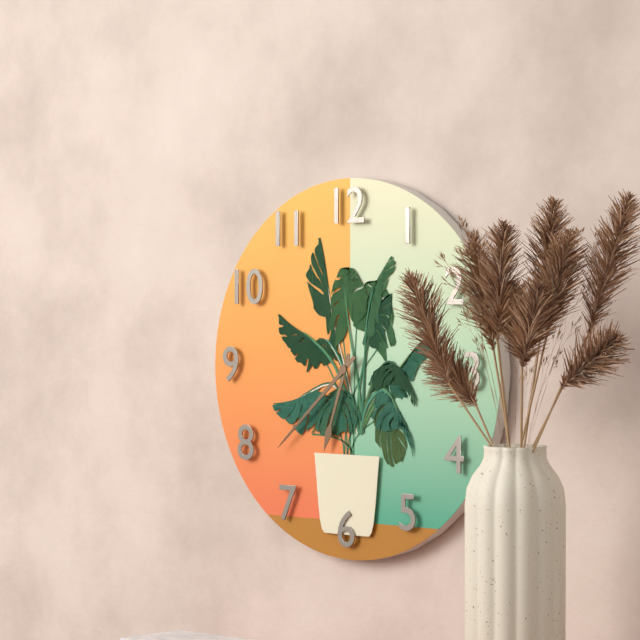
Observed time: **6:38**
